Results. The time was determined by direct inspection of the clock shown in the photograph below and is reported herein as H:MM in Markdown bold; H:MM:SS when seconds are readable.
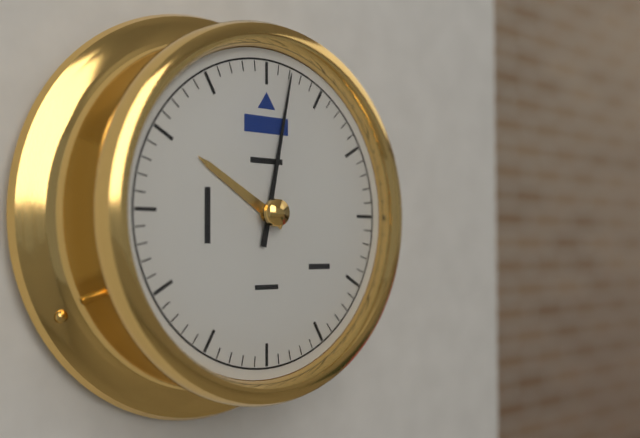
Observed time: **10:02**
